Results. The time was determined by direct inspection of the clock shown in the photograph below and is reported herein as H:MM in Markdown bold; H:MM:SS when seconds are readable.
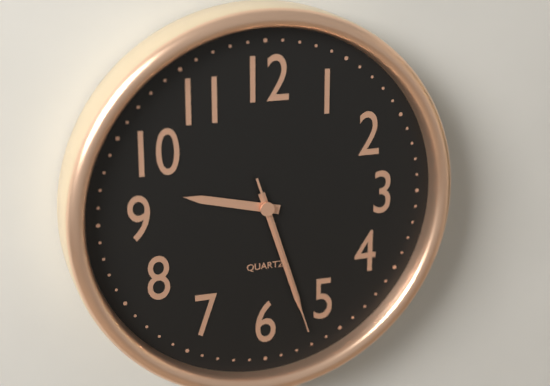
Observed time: **9:27:27**
